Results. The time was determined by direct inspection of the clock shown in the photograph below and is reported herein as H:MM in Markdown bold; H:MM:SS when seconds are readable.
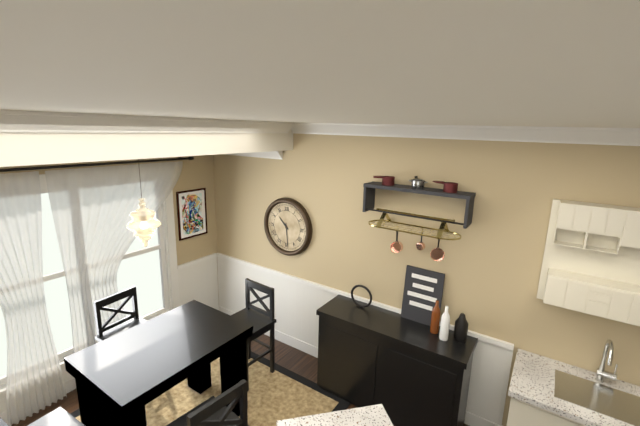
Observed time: **10:29**
